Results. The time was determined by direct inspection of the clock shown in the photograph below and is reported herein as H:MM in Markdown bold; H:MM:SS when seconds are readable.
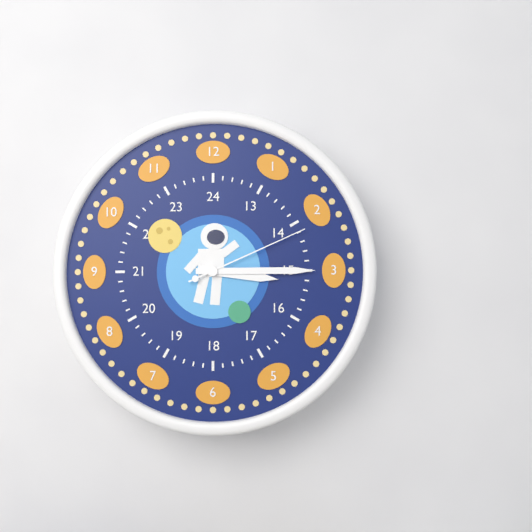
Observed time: **3:15:11**
